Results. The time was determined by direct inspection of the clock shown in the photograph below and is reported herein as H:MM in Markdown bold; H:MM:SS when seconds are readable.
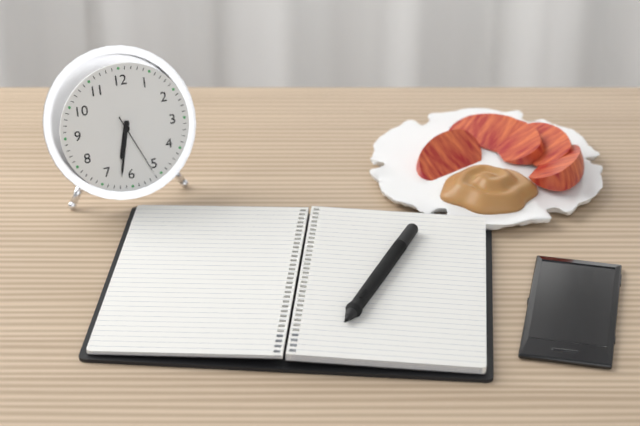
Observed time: **6:32:26**
